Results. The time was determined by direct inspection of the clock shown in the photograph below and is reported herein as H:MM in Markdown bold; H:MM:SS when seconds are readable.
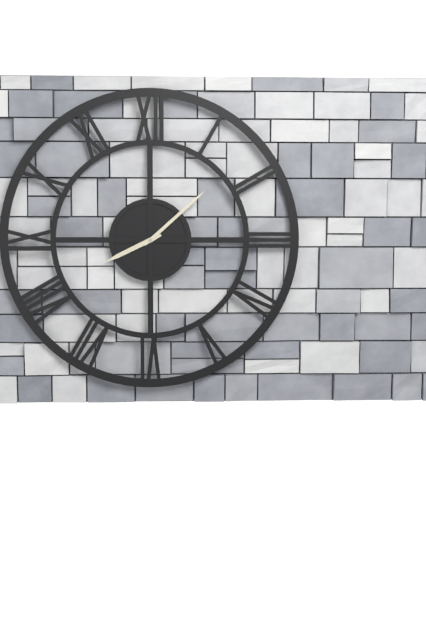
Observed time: **8:08**
